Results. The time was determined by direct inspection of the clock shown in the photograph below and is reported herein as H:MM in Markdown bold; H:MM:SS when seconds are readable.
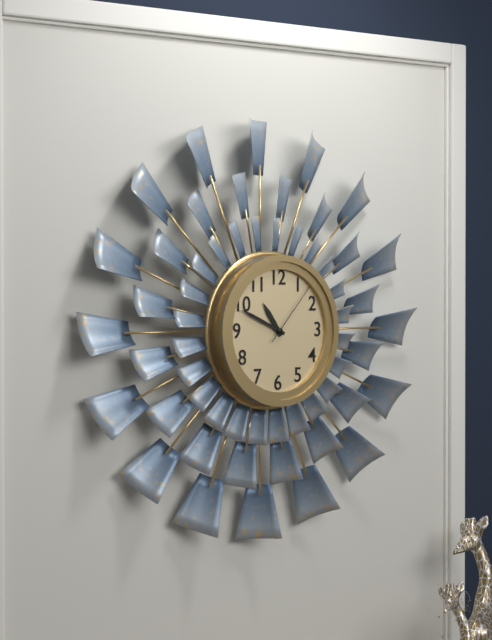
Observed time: **10:49:07**
